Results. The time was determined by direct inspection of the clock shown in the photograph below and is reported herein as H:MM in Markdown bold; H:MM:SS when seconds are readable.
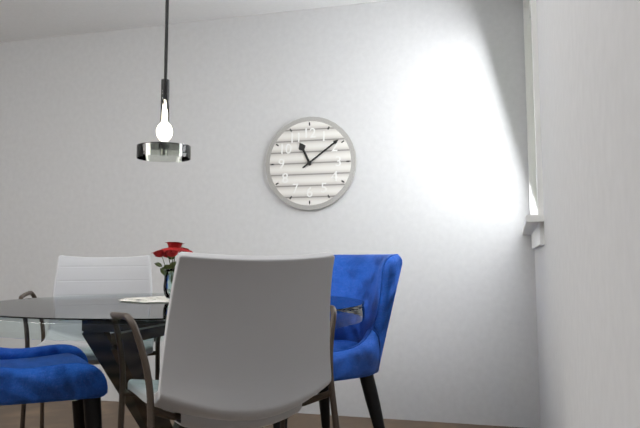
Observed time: **11:09**
